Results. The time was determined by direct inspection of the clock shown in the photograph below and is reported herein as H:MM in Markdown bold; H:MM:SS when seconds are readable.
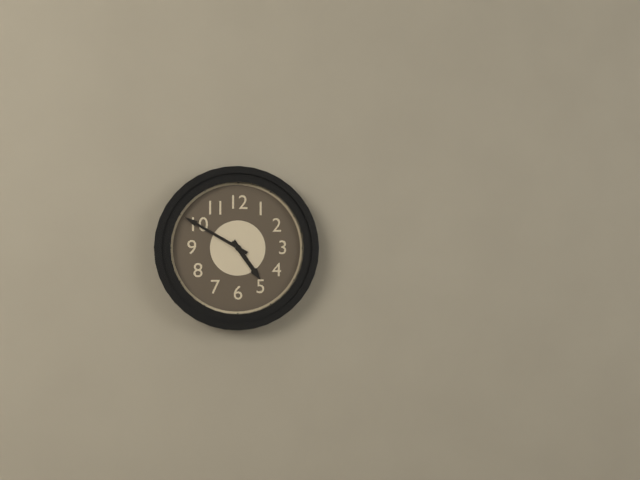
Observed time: **4:50**
